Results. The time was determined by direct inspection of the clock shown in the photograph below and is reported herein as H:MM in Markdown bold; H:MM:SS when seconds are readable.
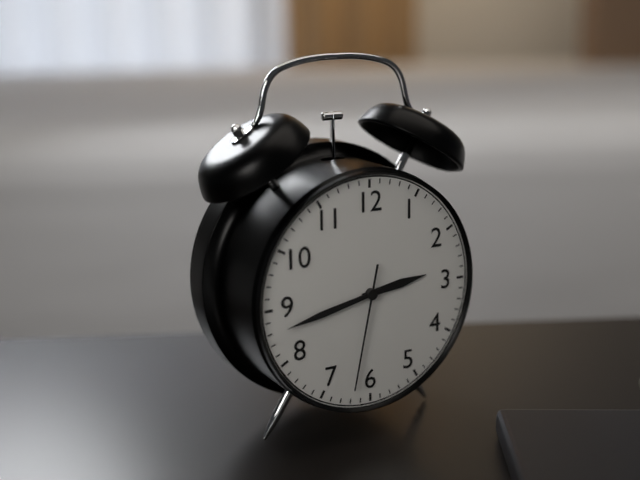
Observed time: **2:43:32**
